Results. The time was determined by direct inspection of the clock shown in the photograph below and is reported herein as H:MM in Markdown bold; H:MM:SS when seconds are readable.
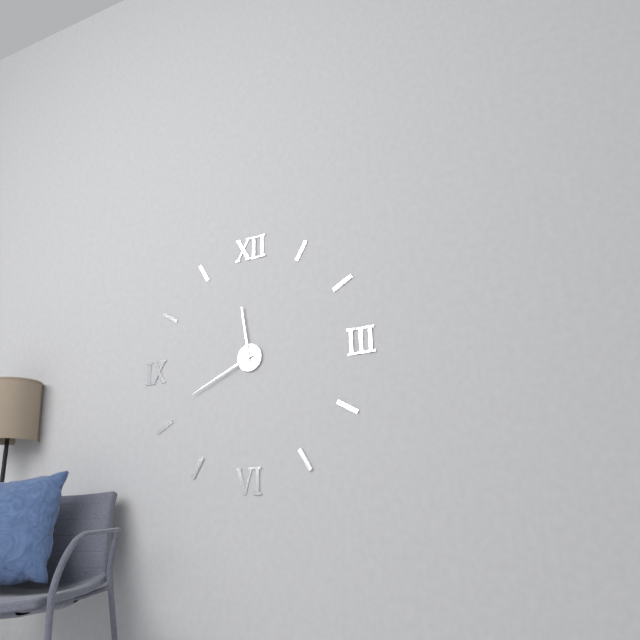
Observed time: **11:41**
